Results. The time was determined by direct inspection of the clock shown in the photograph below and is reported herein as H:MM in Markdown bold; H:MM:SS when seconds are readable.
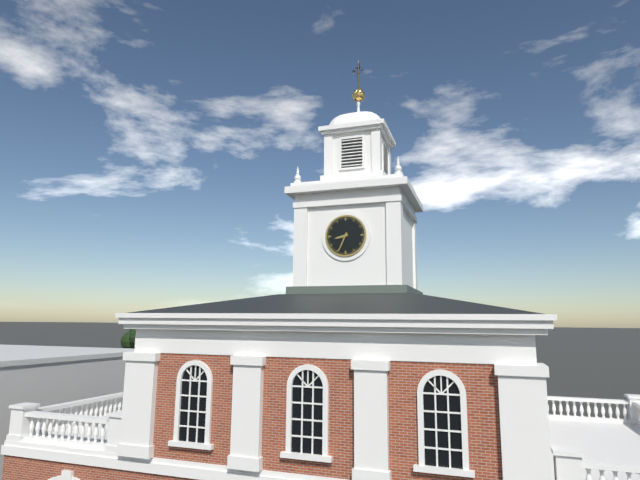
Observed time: **8:34**
